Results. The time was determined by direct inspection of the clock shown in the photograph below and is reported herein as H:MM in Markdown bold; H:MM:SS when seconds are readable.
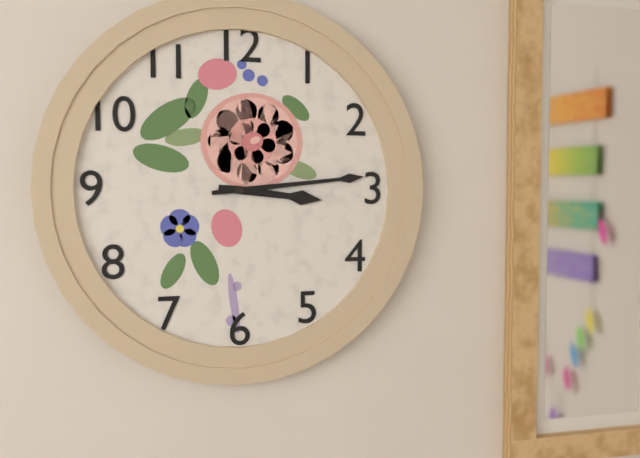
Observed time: **3:14**
